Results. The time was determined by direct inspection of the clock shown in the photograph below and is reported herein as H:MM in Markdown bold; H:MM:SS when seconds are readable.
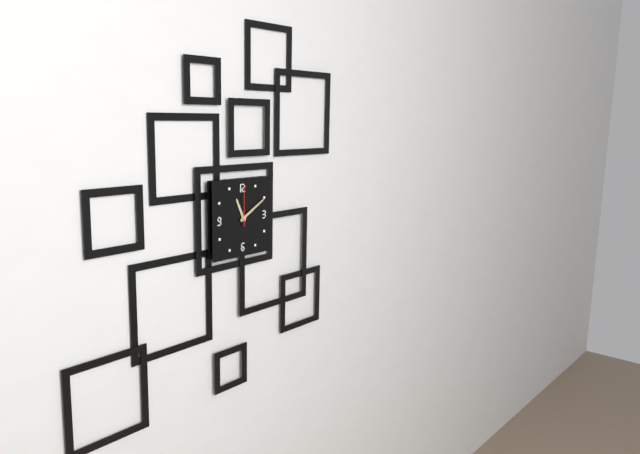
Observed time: **11:10**
